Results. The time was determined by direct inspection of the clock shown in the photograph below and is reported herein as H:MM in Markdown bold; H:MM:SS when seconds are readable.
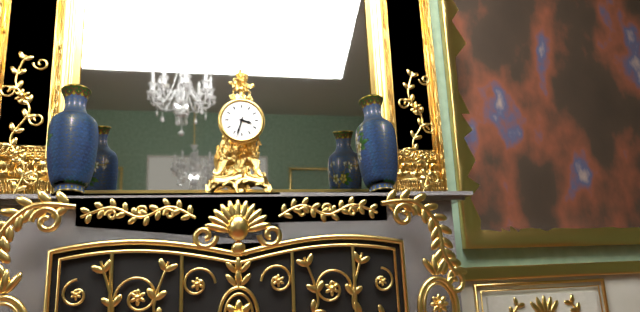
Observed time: **3:33**
